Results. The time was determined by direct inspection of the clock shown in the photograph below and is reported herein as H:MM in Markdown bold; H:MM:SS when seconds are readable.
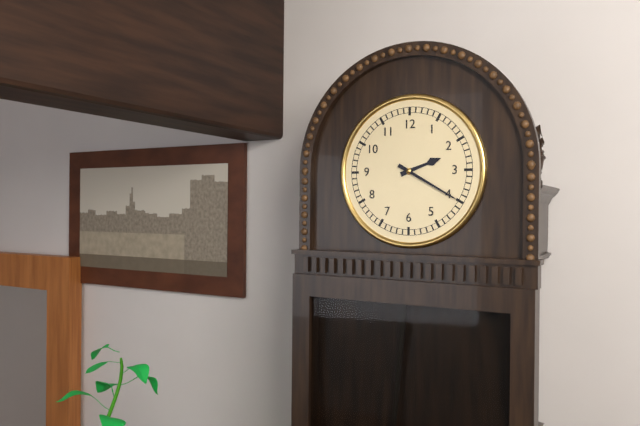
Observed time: **2:20**
